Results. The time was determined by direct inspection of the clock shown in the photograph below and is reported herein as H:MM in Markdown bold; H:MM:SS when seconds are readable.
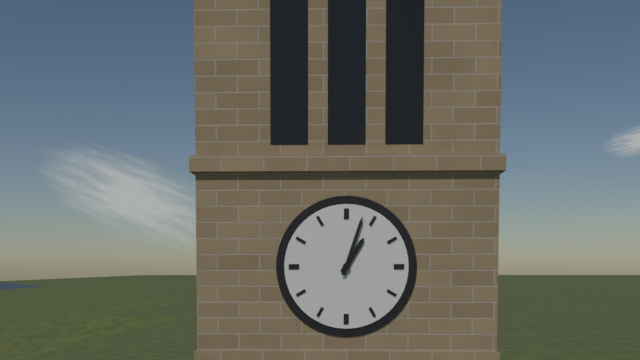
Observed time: **1:03**
